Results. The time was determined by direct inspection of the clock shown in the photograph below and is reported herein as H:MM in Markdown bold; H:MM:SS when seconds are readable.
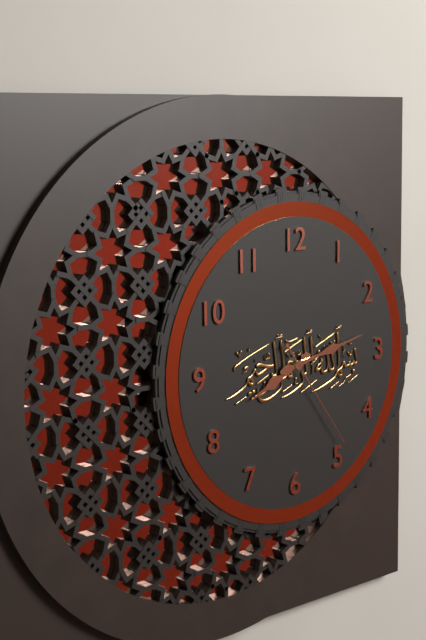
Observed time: **8:13:24**
